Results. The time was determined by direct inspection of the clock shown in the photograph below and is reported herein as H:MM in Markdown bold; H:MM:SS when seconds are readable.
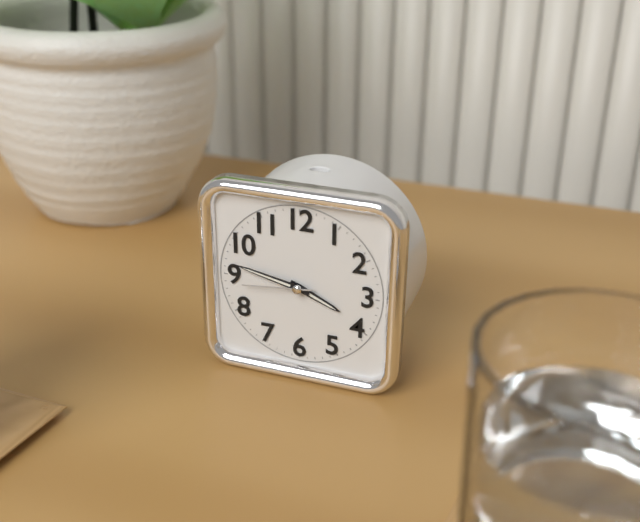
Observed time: **3:47:44**
